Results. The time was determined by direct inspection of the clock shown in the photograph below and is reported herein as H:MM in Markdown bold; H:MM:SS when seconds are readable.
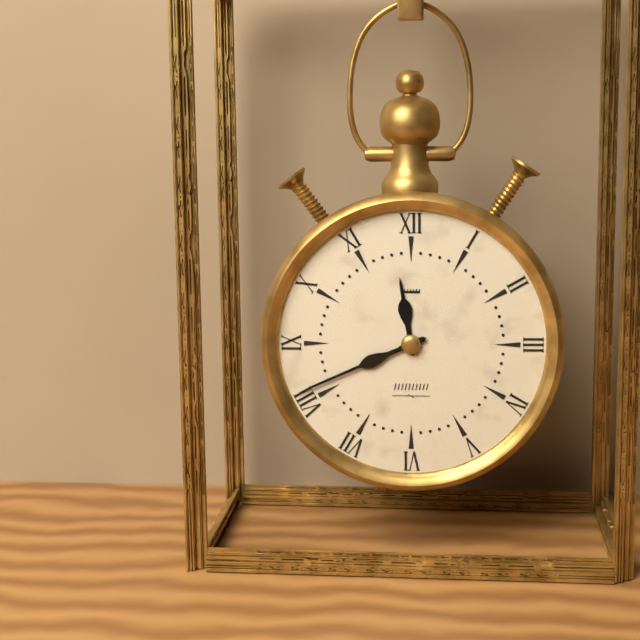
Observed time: **11:41**
